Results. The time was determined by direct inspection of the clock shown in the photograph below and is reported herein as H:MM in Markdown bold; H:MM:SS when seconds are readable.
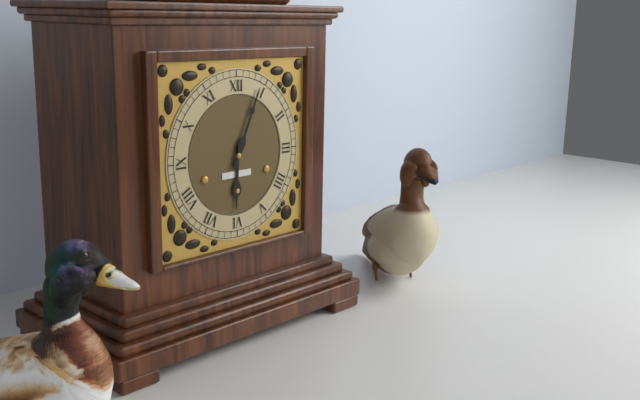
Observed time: **6:04**
